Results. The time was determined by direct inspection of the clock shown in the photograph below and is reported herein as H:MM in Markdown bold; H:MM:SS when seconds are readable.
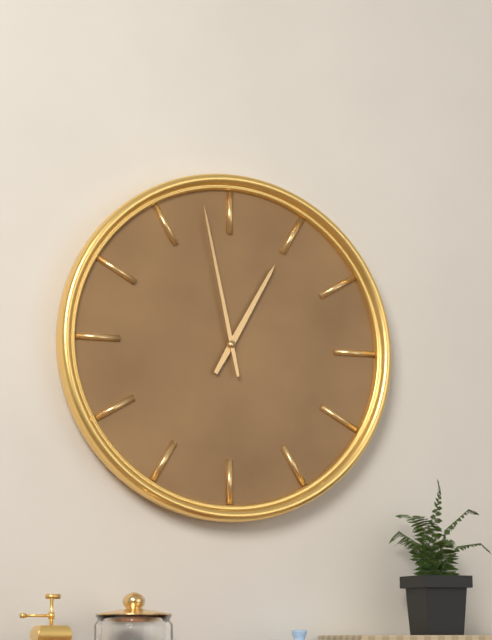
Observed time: **12:58**
